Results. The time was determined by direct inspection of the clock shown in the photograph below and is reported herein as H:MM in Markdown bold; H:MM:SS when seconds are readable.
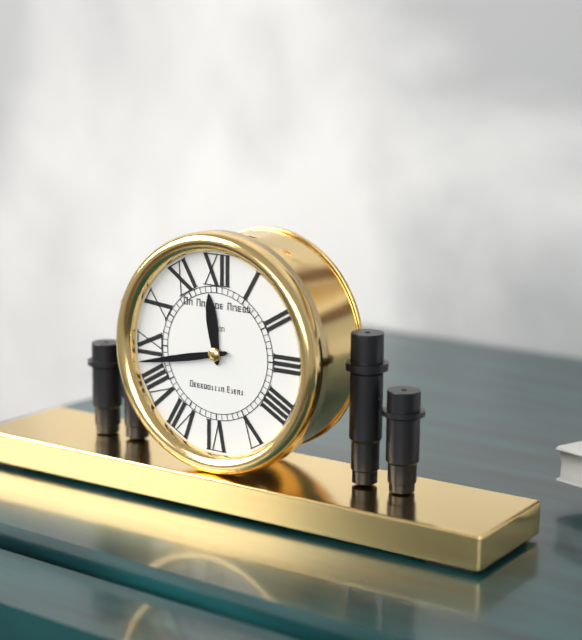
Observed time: **11:43**
